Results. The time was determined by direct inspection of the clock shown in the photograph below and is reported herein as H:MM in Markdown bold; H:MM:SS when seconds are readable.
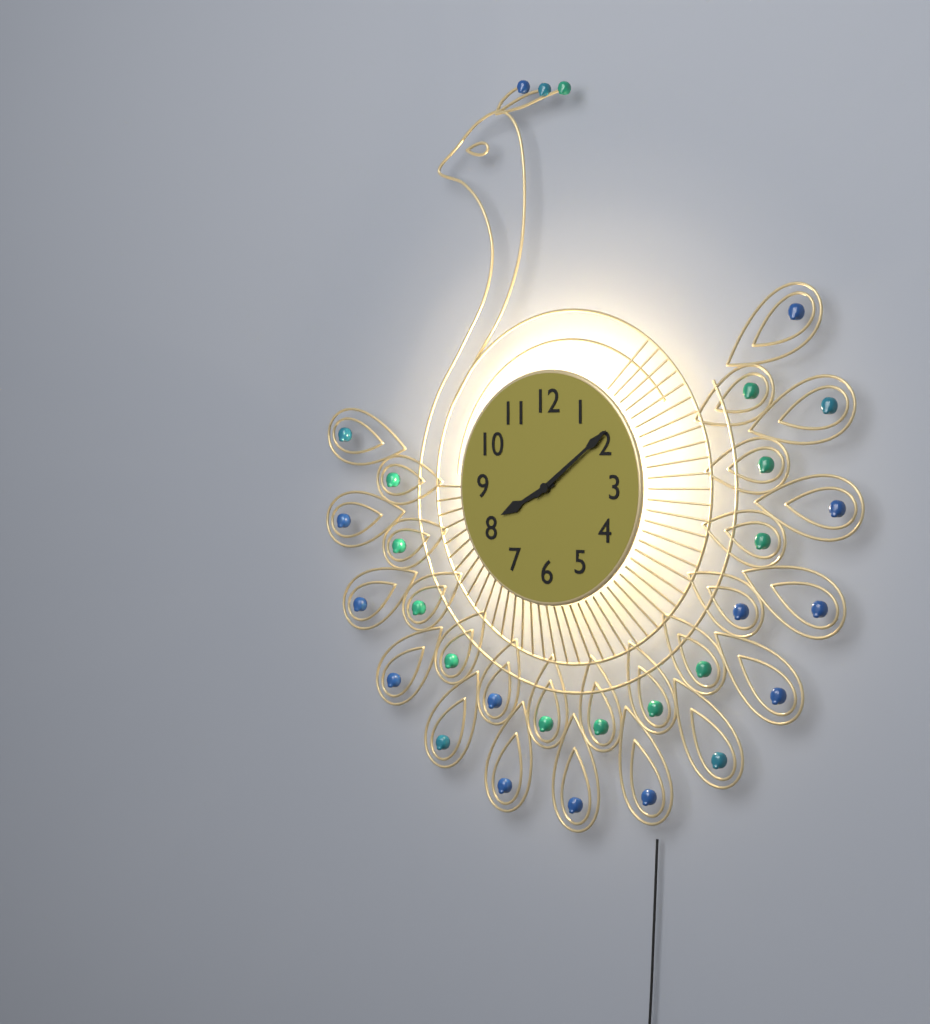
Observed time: **8:09**
